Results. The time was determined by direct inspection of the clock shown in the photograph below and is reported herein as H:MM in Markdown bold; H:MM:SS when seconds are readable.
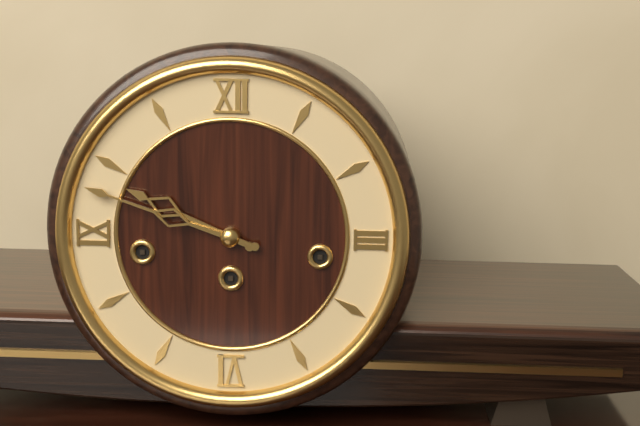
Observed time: **9:48**
